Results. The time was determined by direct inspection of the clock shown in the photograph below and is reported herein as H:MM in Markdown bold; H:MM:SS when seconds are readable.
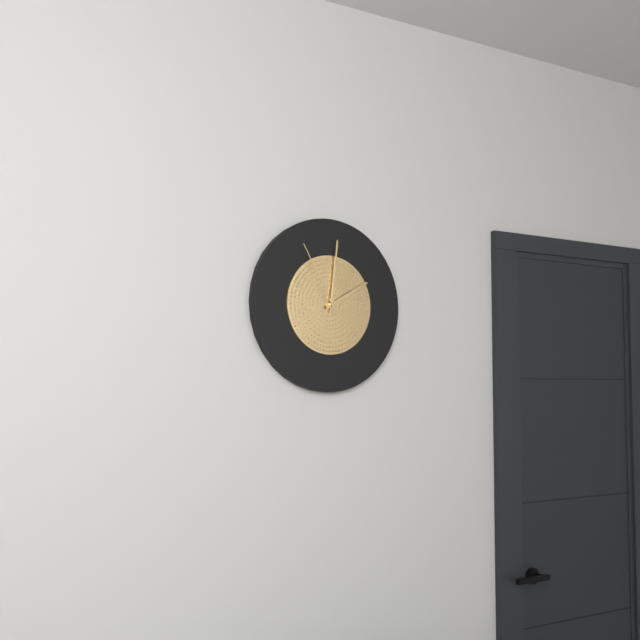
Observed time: **2:01:55**
